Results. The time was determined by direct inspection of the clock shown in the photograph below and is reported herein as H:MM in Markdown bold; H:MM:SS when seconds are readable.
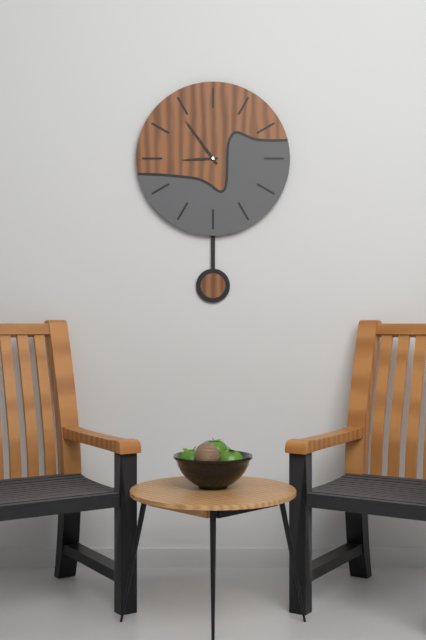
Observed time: **8:54**
